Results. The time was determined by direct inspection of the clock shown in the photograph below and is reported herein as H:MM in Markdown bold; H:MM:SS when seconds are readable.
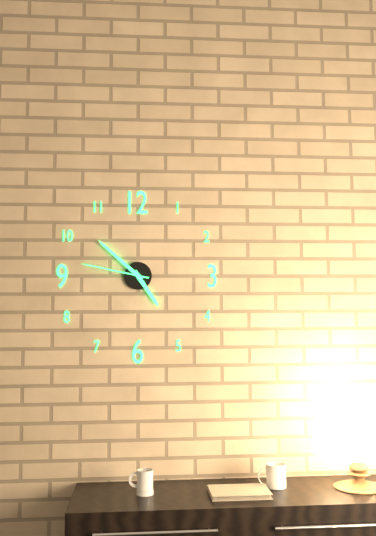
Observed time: **4:52:47**
